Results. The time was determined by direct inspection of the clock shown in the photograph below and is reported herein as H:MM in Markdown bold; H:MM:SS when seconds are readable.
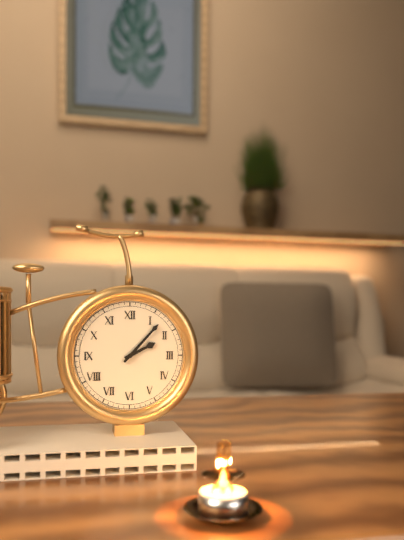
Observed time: **2:07**
